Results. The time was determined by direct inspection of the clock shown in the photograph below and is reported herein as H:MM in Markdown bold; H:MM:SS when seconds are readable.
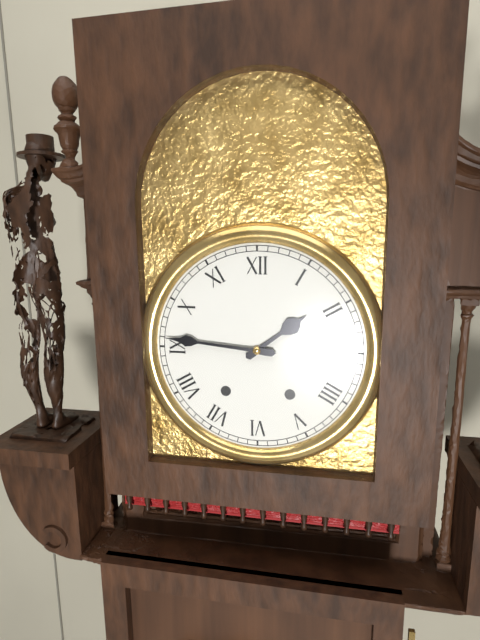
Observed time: **1:46**
